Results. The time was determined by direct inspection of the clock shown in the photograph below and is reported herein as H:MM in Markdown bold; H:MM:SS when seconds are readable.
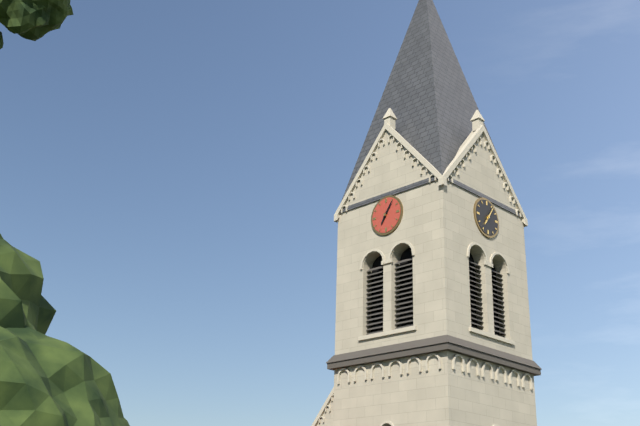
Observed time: **7:06**
